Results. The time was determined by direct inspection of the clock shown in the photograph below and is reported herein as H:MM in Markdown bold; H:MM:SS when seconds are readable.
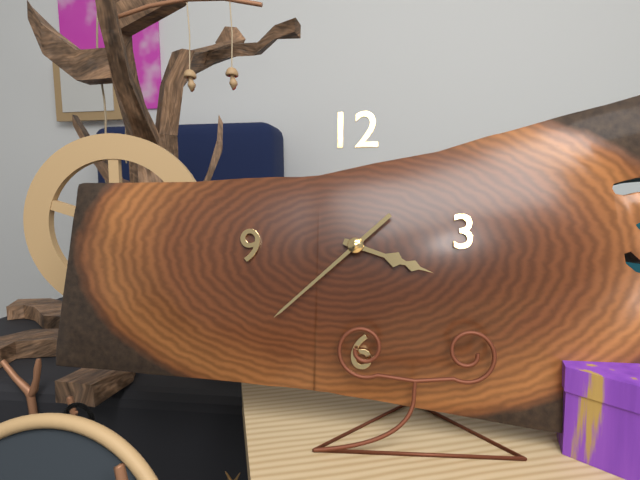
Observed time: **3:38**
